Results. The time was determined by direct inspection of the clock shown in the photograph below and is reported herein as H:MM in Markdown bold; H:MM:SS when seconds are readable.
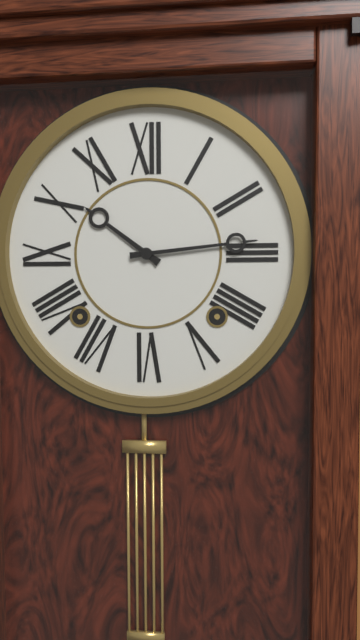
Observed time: **10:14**
